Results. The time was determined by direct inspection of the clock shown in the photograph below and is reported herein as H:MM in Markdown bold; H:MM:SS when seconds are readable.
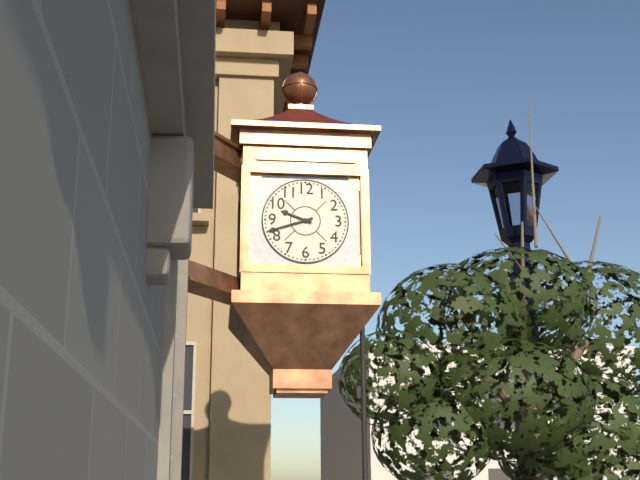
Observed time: **9:42**
